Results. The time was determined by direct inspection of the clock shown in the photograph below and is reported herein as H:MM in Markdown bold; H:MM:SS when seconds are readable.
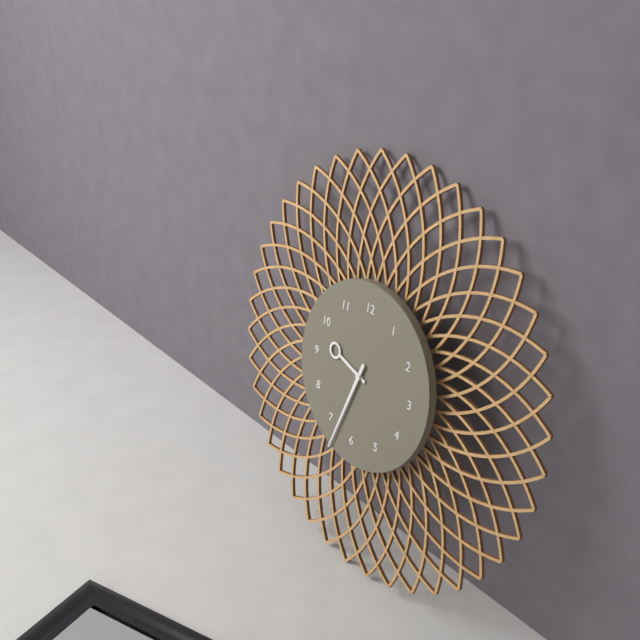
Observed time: **9:33**
